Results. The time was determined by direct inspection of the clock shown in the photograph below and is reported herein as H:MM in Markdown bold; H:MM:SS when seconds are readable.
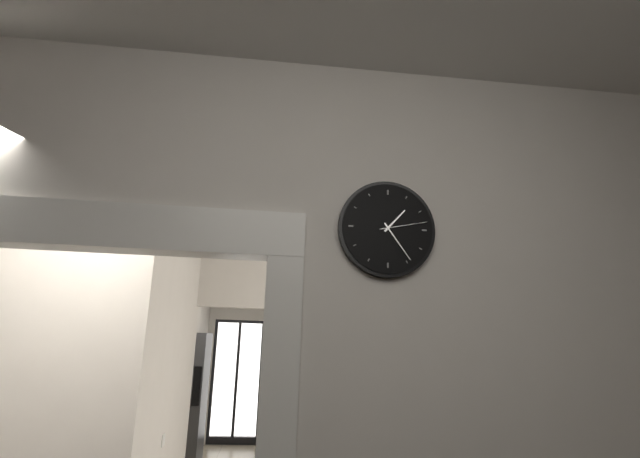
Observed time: **1:24**
